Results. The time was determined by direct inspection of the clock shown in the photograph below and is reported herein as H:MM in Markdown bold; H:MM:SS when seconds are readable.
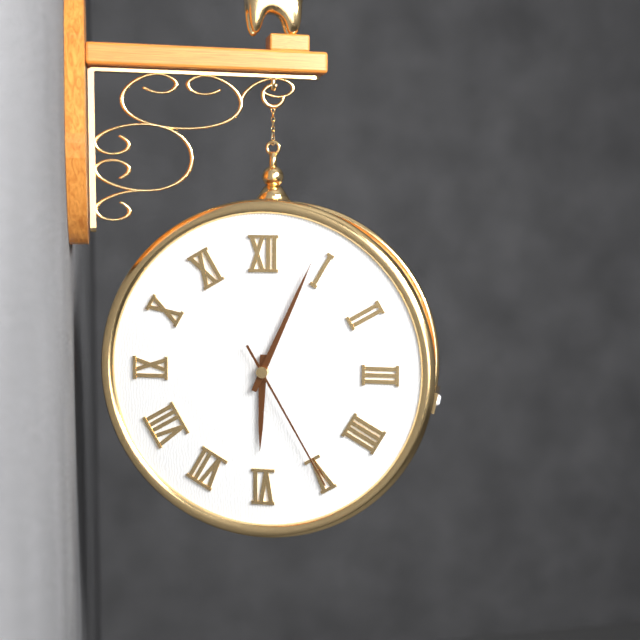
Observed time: **6:04:25**
